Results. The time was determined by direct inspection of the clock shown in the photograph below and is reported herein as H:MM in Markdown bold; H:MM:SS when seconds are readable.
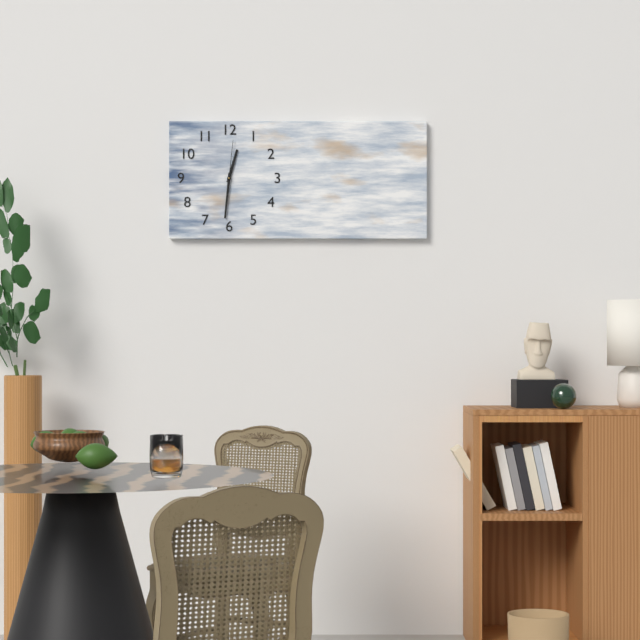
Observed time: **12:31**
